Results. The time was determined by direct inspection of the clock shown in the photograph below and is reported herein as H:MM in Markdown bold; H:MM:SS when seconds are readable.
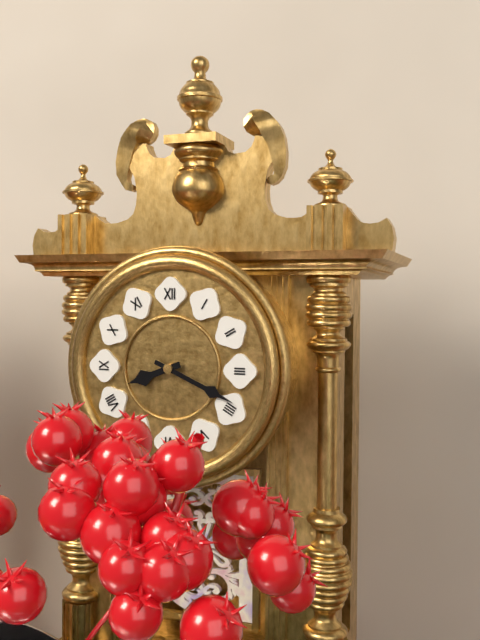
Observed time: **8:19**
